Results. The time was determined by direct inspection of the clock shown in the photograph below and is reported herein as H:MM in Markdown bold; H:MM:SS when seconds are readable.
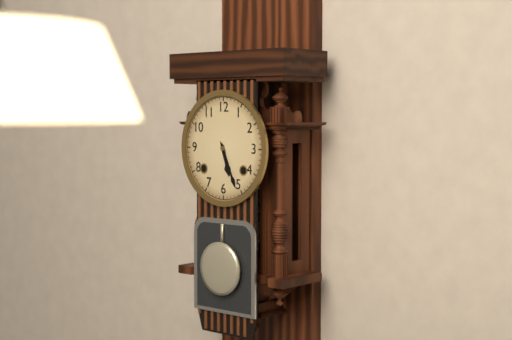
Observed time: **5:26**
